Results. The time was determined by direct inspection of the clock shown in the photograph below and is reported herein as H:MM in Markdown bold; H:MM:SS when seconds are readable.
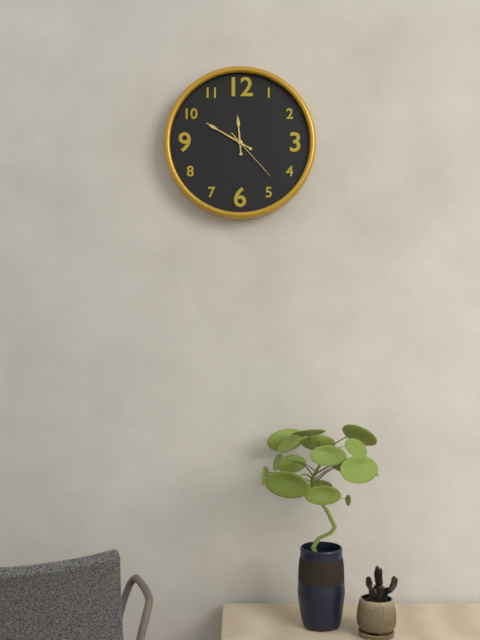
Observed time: **11:50:23**
